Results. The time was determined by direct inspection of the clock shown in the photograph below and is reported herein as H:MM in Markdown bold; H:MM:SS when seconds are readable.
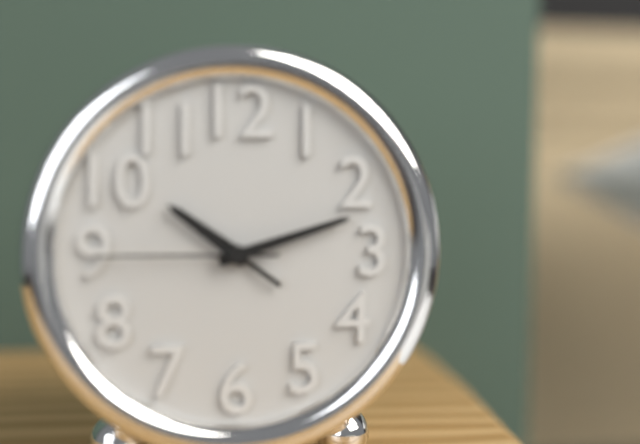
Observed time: **10:12:45**
